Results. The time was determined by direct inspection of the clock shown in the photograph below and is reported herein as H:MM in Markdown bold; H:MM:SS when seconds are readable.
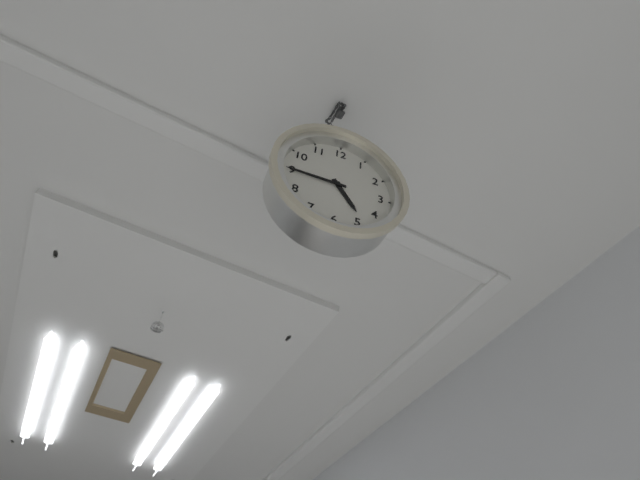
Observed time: **4:45**
